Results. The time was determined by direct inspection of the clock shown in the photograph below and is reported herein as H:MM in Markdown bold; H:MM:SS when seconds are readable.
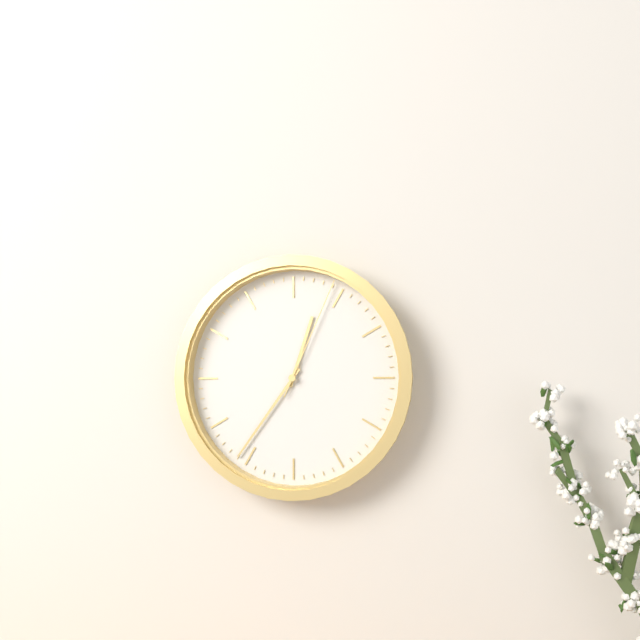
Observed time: **12:36:04**
